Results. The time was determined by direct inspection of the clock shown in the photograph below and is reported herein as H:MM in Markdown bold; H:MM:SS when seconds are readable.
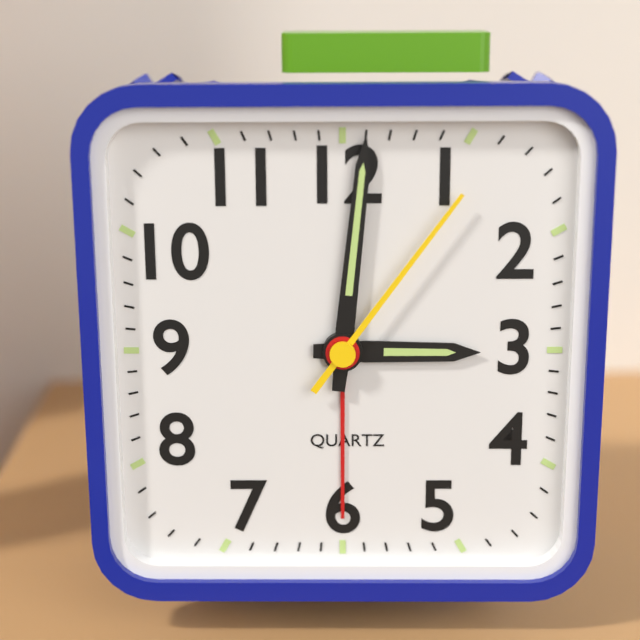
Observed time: **3:01:06**
